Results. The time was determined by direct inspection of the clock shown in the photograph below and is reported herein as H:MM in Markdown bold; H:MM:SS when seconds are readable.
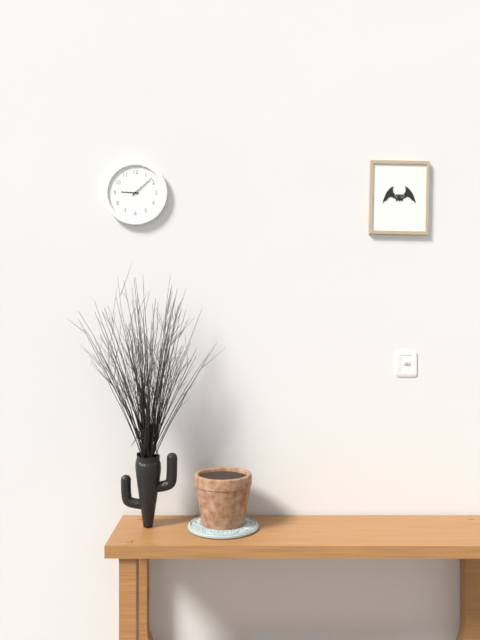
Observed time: **9:08**
